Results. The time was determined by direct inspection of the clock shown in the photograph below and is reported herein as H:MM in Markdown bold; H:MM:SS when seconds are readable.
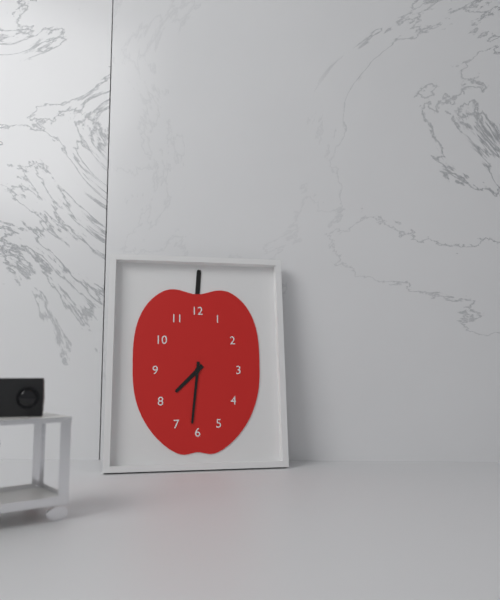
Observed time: **7:31**
